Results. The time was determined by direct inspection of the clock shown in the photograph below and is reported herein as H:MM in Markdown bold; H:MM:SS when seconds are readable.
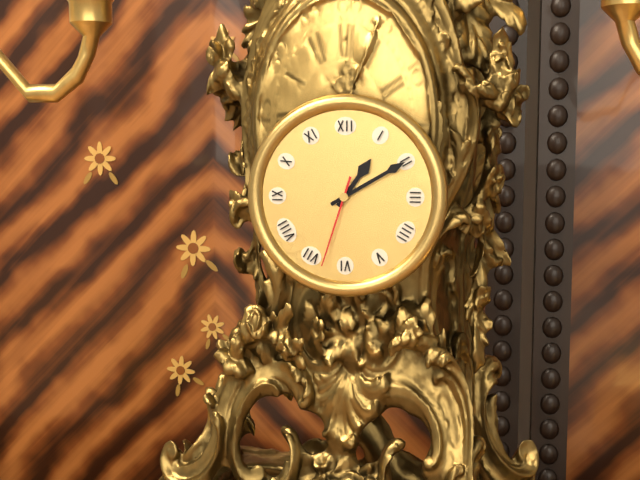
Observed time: **1:10:33**
